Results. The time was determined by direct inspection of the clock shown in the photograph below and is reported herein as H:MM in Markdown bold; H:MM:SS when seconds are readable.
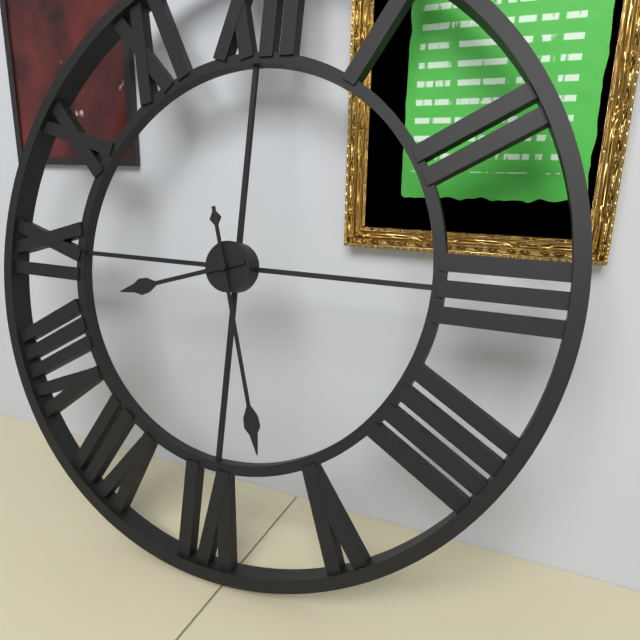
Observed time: **8:27**
